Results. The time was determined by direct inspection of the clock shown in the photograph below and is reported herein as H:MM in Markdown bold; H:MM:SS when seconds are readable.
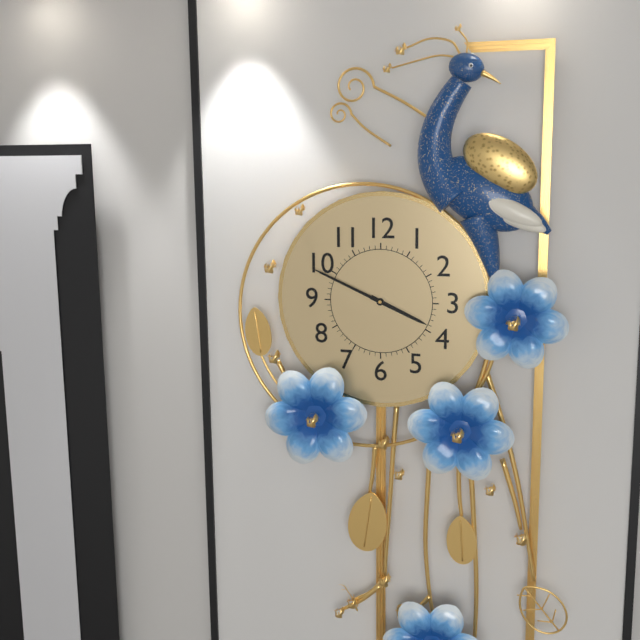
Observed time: **3:49**
